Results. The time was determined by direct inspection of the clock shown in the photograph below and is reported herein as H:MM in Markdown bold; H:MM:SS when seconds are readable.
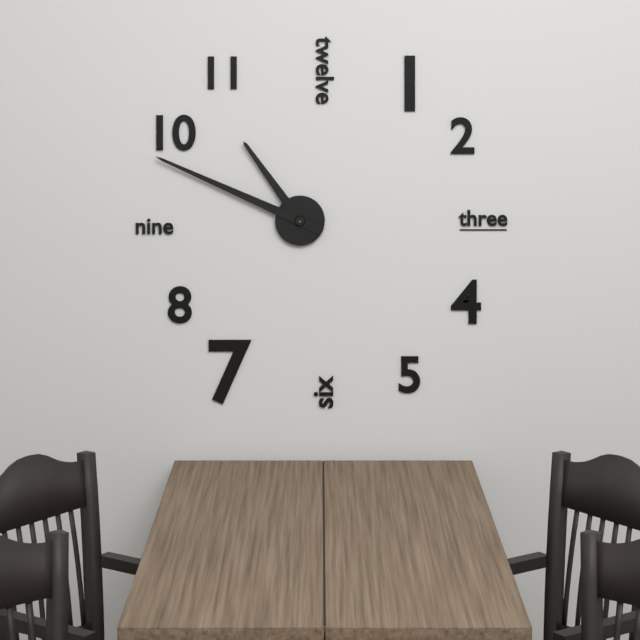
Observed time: **10:49**
